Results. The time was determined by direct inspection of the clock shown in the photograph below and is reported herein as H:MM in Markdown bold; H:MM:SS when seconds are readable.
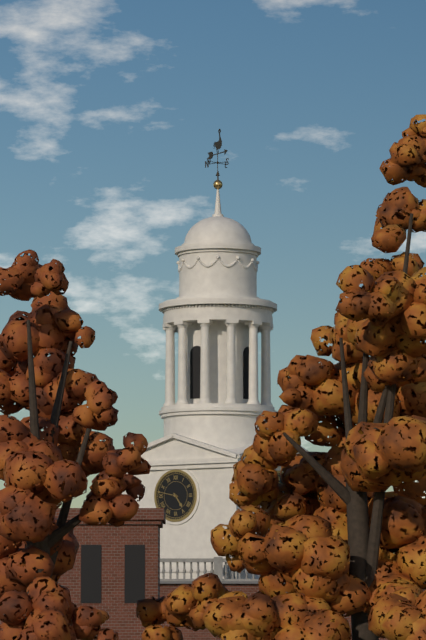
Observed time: **4:47**
